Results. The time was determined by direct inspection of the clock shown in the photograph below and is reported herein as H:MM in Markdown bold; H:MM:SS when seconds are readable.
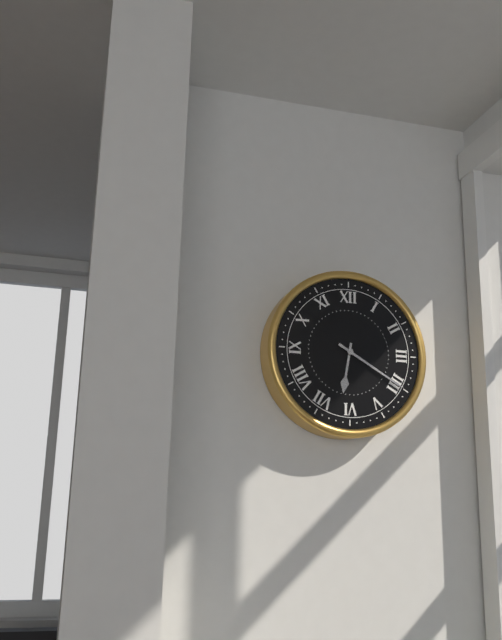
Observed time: **6:20**
